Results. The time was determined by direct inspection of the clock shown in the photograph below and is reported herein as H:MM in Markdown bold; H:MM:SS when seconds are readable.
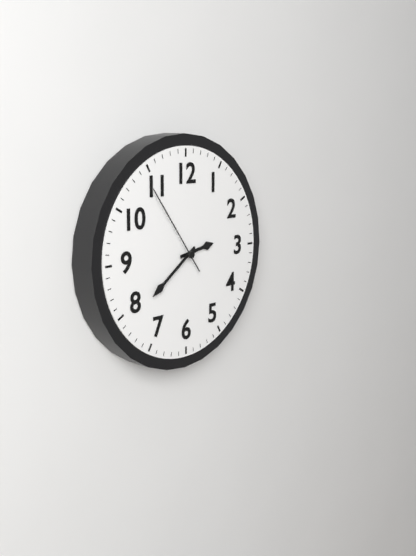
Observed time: **2:39:54**
